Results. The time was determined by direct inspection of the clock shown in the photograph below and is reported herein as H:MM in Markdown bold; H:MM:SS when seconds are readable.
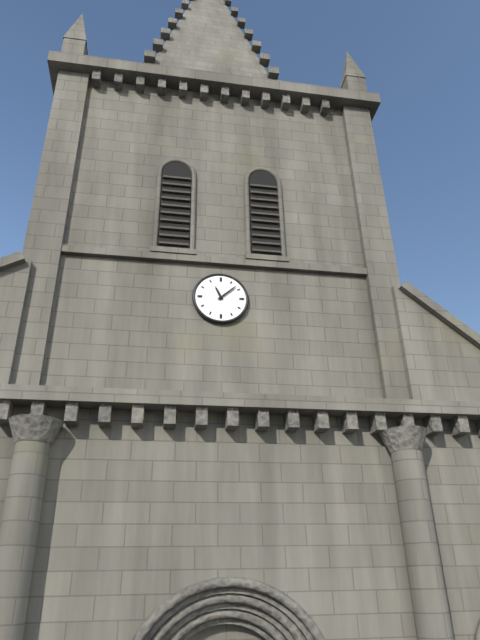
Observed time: **11:08**
